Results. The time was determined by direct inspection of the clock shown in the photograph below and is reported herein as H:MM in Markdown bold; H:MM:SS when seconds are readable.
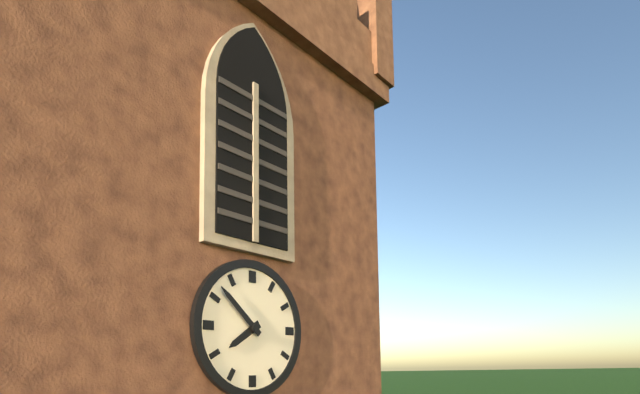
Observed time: **7:52**
